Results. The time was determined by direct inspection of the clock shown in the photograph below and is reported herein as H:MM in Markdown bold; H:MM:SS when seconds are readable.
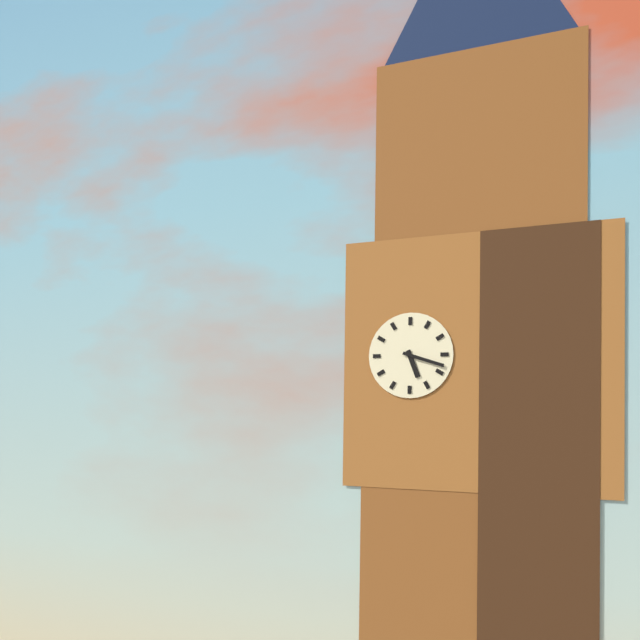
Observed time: **5:18**
